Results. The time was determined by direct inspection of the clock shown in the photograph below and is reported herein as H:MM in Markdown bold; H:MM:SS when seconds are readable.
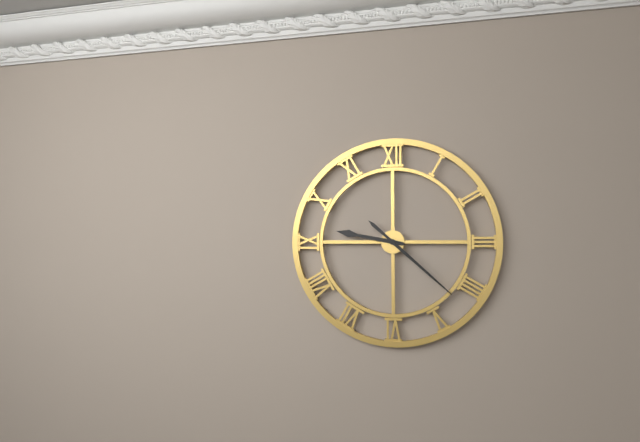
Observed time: **9:22**
